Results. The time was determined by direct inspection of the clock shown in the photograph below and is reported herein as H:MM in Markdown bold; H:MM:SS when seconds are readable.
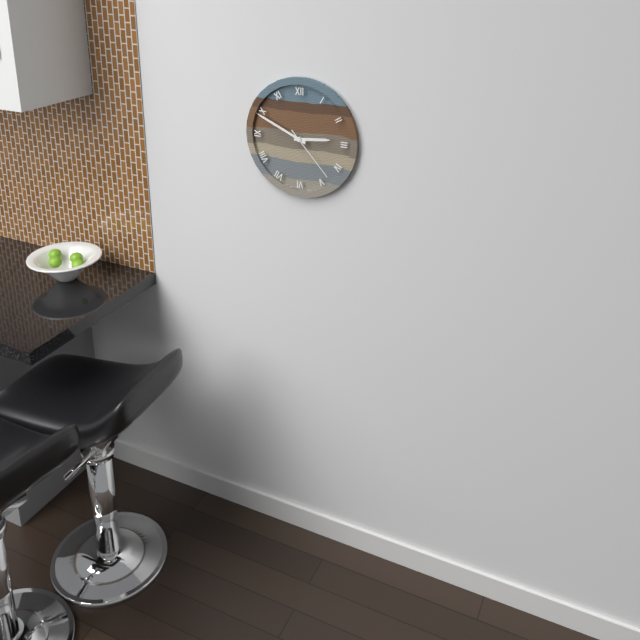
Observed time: **2:49:23**
